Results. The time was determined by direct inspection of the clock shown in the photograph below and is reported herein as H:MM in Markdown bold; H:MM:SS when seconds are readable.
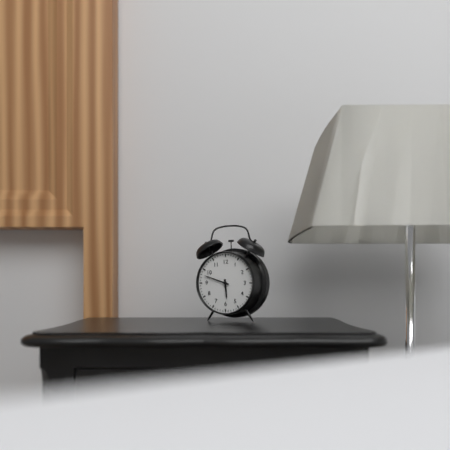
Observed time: **5:48**
